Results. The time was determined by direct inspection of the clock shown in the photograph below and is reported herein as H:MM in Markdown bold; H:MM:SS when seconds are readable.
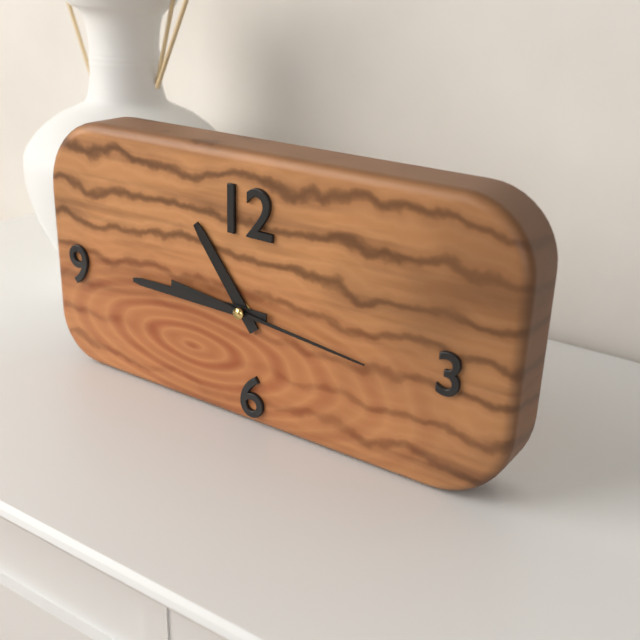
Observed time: **10:45:16**
